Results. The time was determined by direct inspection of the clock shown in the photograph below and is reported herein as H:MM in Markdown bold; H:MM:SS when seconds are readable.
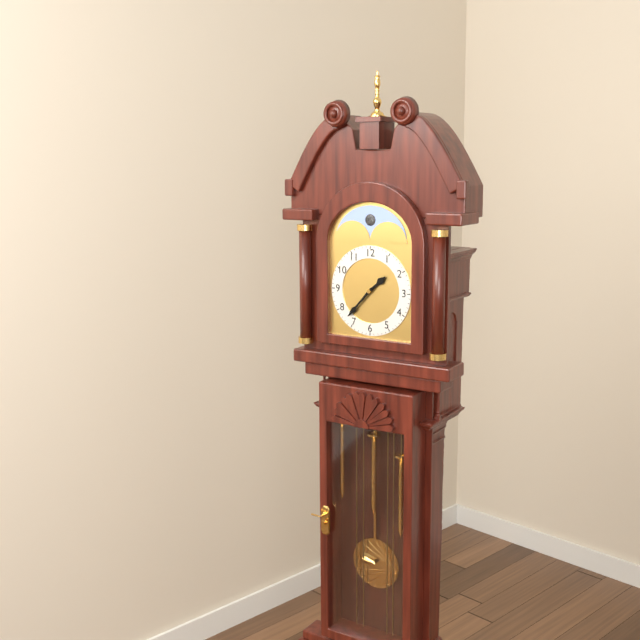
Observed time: **1:37**
